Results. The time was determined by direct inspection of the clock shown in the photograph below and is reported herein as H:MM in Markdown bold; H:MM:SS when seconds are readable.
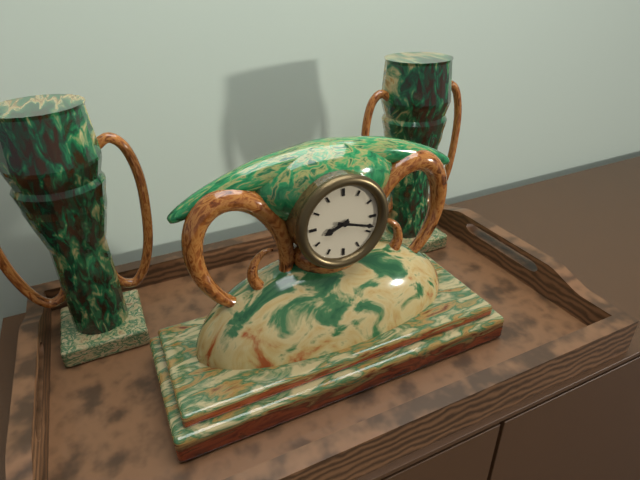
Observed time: **8:18**
